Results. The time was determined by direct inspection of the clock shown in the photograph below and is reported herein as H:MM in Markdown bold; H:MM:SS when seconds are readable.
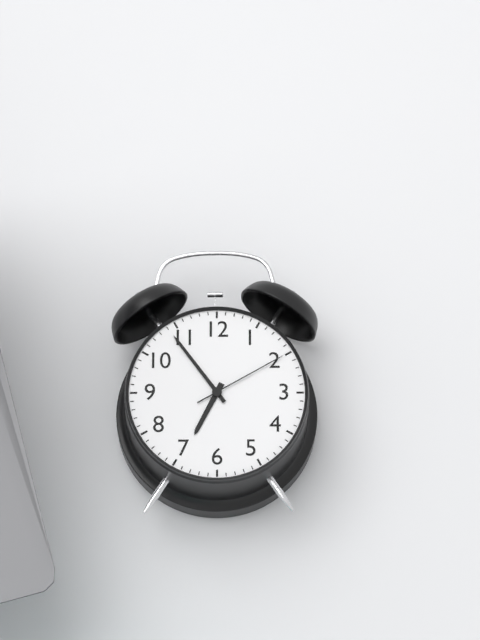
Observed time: **6:54:10**
